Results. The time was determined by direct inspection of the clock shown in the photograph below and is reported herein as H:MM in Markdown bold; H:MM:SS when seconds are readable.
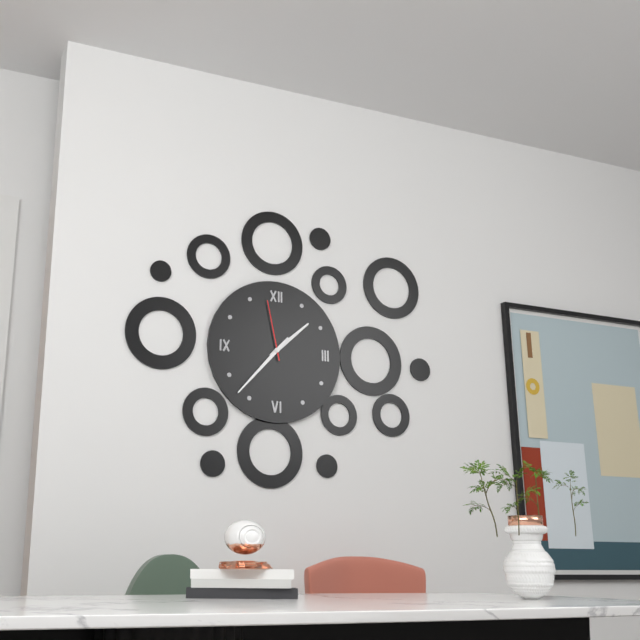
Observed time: **1:37:58**
